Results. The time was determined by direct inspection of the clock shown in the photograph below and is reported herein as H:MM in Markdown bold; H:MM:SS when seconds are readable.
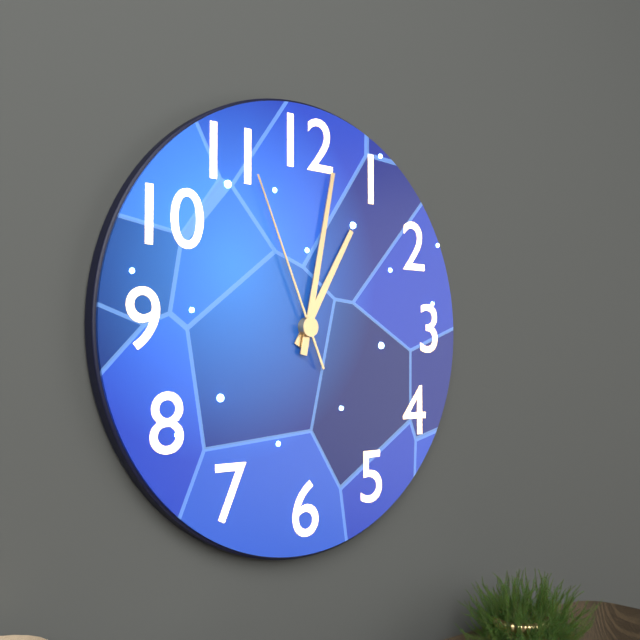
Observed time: **1:02:56**
